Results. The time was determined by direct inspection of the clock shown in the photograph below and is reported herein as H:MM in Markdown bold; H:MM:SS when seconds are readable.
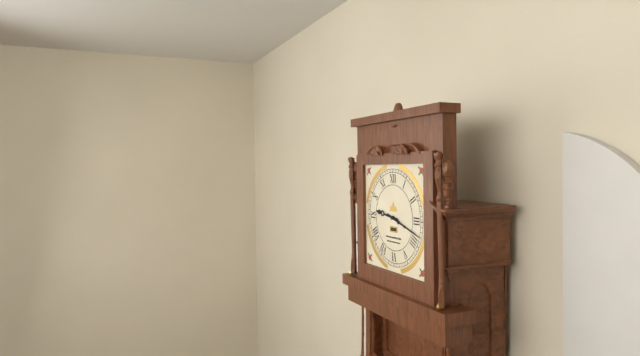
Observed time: **9:18**
